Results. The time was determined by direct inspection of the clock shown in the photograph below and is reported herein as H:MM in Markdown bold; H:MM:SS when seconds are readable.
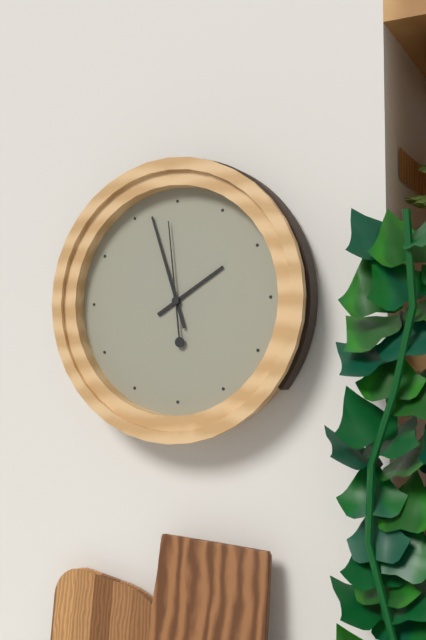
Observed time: **1:57:59**
